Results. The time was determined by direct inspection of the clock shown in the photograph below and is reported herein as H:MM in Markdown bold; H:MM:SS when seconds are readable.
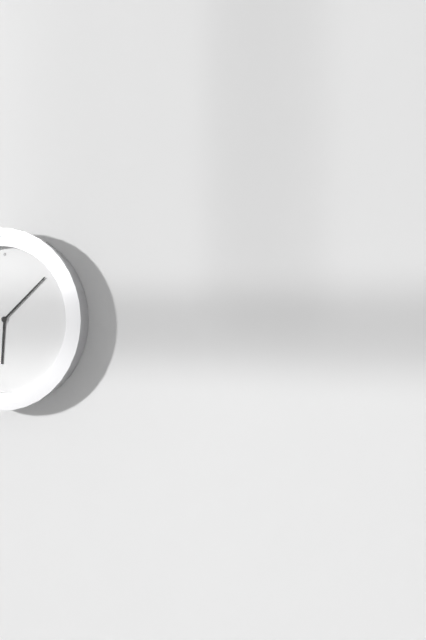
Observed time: **6:08**
